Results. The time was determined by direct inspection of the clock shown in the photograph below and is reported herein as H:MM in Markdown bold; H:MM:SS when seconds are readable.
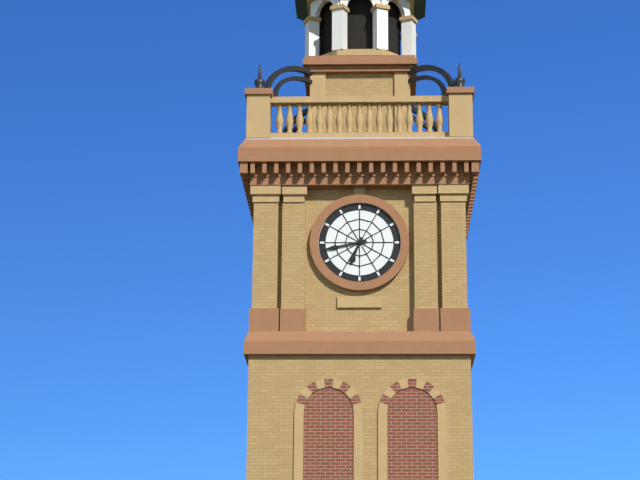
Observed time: **6:43**
